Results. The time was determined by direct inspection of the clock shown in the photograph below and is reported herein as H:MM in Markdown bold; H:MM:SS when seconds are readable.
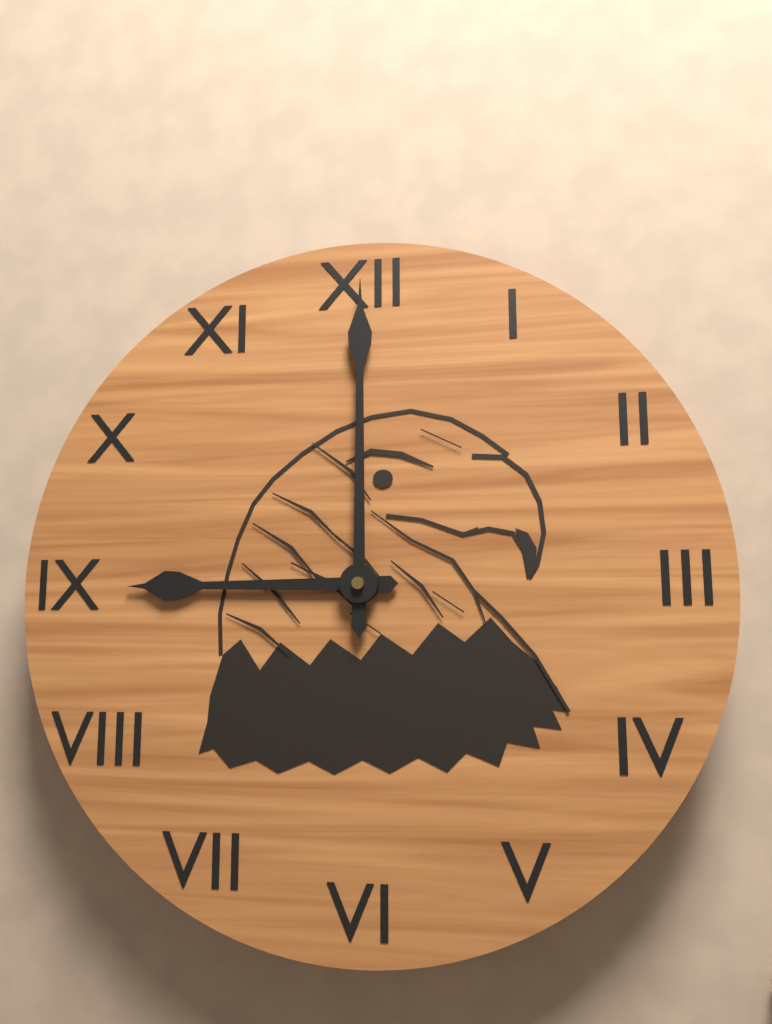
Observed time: **9:00**
